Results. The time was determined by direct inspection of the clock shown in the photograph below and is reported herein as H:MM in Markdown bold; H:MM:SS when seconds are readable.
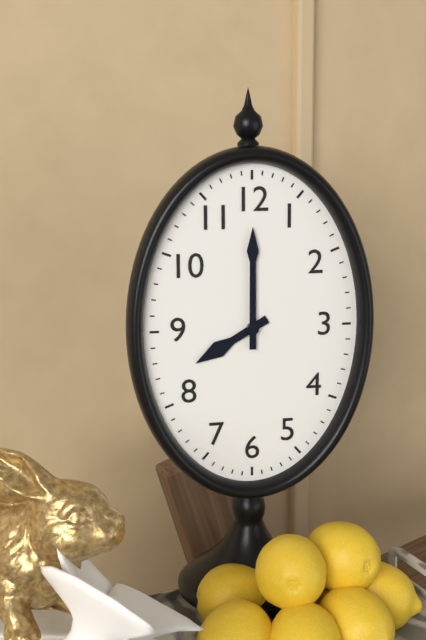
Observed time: **8:00**
